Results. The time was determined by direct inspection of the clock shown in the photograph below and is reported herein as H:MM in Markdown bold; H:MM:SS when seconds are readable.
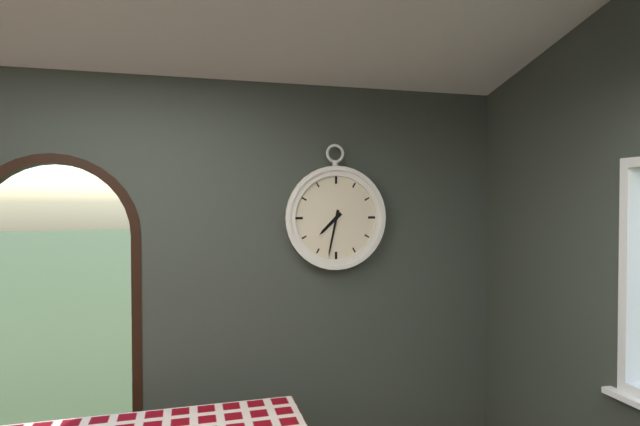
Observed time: **7:32**
